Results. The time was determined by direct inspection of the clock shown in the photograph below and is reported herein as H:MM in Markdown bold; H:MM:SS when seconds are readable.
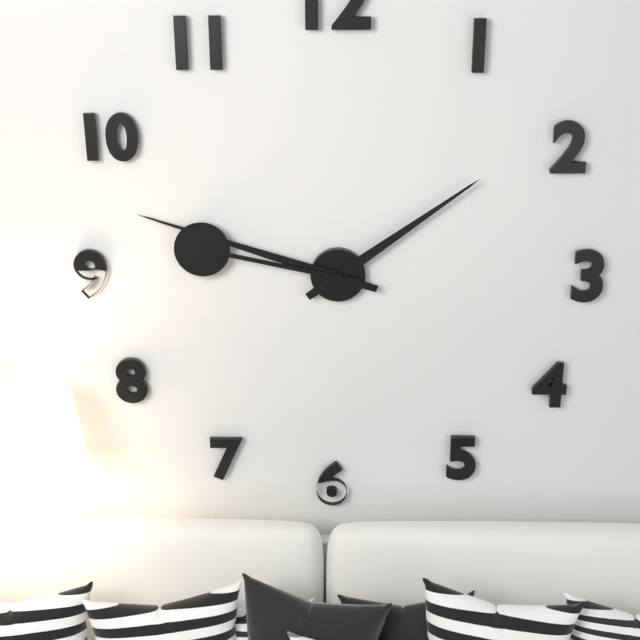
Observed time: **1:48:47**
